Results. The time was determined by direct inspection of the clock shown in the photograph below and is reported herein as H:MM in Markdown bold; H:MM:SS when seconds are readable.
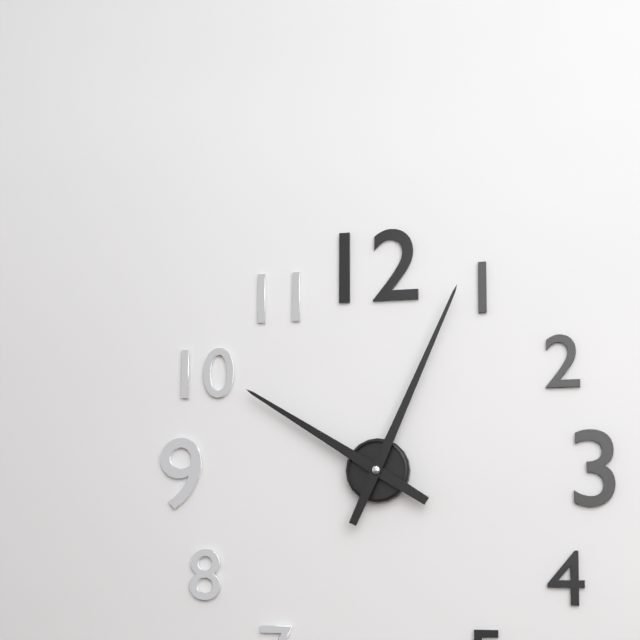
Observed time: **10:04**
